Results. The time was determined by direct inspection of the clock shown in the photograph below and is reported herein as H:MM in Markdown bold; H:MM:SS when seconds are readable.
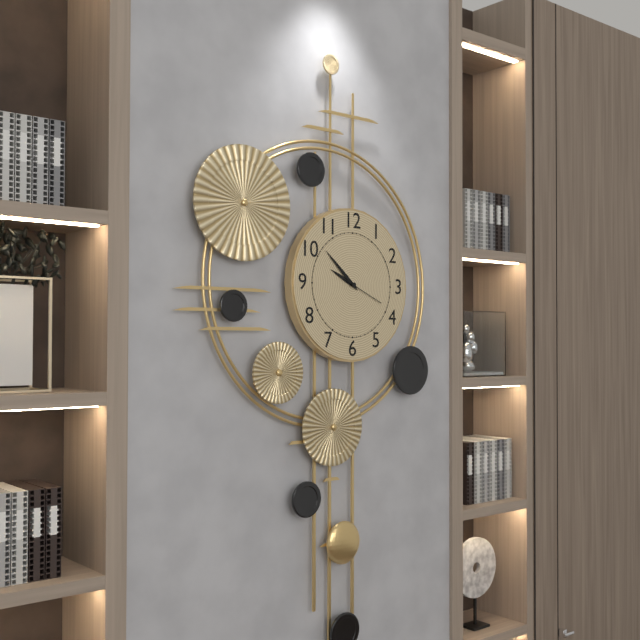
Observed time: **9:52**
